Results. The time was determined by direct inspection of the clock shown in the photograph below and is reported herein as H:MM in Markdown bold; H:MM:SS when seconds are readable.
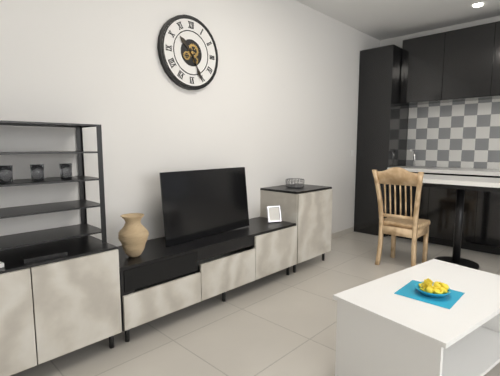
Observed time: **10:26**
